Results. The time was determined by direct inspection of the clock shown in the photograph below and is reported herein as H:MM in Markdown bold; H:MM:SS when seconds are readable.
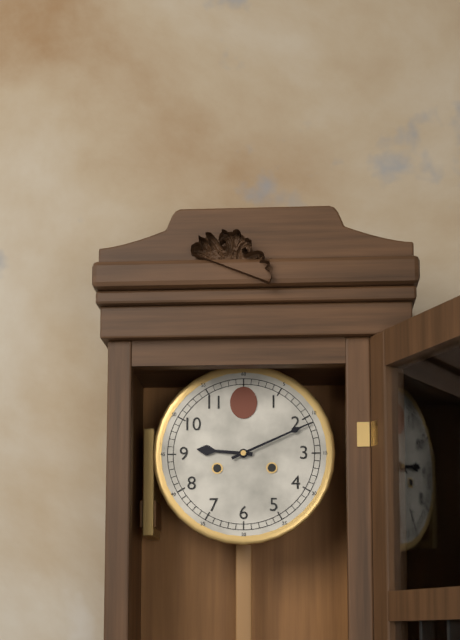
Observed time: **9:11**
